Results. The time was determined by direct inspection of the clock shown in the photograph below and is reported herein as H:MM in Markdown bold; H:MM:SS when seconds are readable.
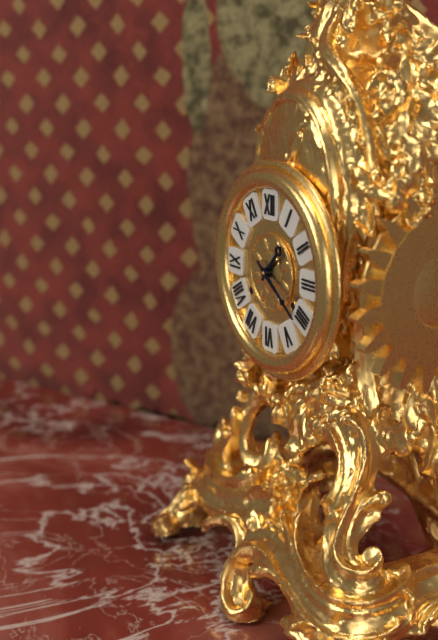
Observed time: **1:21**
